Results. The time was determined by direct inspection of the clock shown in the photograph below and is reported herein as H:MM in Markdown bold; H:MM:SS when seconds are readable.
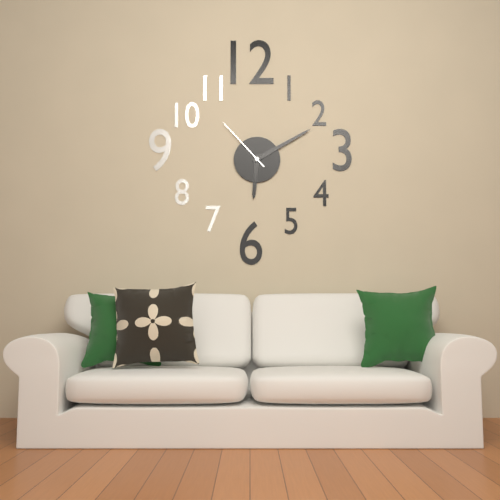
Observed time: **6:10:53**
